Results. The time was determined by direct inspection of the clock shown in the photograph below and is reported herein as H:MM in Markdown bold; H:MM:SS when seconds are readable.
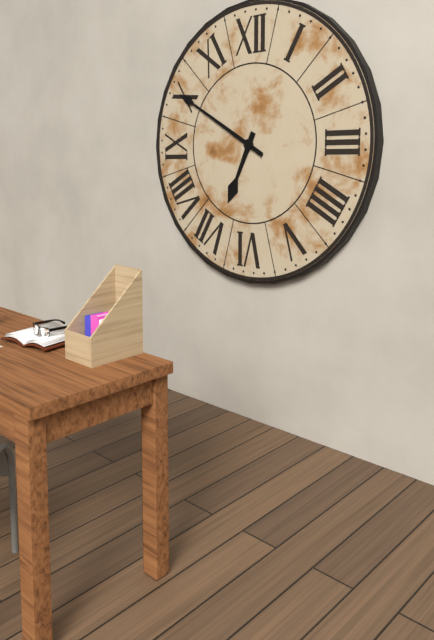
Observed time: **6:50**
